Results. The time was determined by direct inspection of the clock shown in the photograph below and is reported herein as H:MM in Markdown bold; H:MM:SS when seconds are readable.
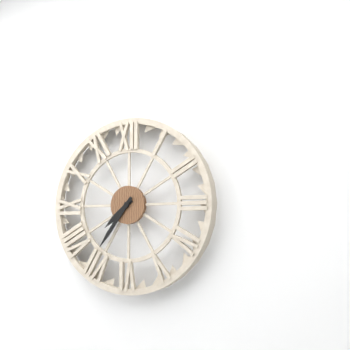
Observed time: **7:36**
